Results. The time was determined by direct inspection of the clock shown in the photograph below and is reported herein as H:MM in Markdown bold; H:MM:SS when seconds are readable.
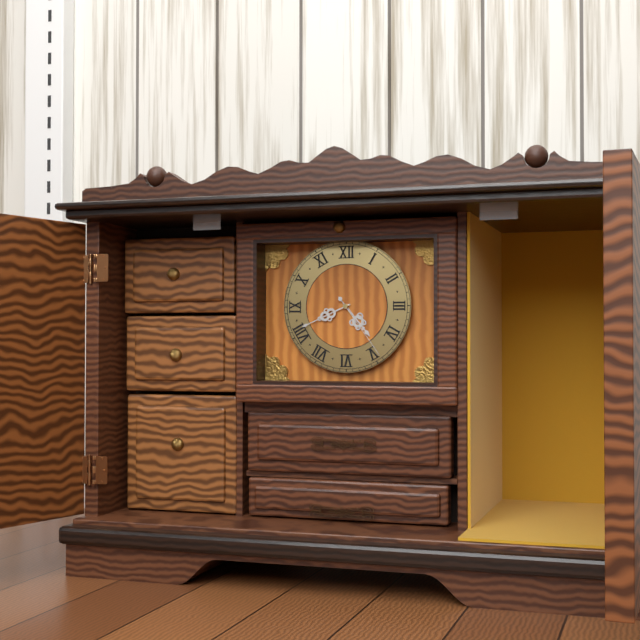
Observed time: **4:41:24**
